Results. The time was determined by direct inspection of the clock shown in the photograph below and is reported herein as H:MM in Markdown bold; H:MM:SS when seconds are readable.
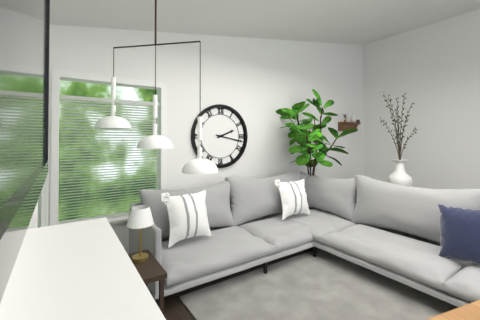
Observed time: **2:17**
